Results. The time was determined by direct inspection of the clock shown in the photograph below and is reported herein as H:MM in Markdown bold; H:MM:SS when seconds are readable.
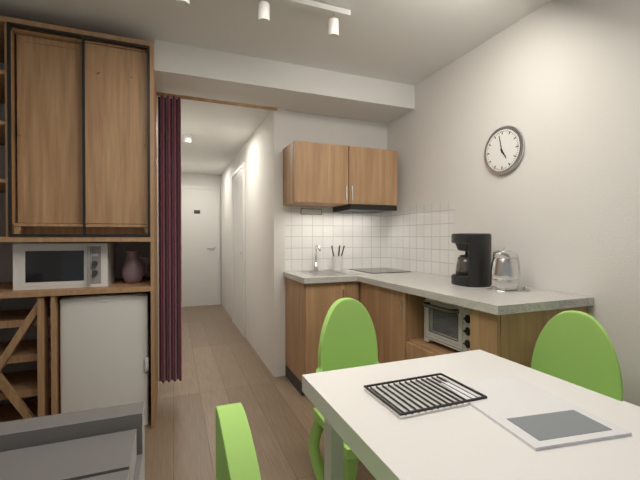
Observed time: **4:58**
